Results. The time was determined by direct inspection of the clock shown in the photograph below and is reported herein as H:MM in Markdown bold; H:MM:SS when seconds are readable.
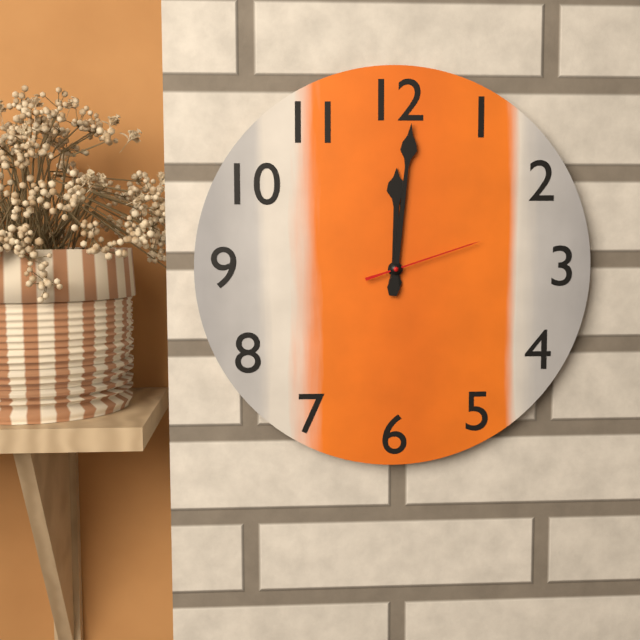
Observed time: **12:01:12**
